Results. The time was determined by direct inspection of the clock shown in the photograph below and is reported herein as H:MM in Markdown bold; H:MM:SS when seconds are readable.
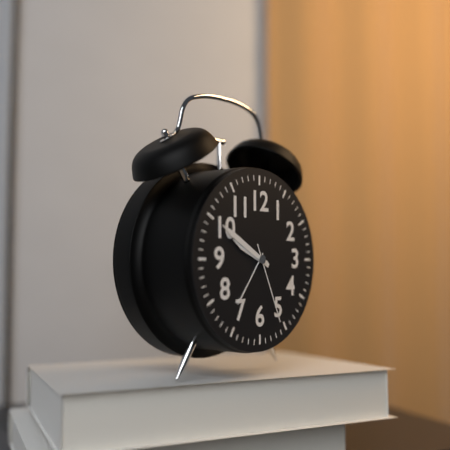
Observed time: **9:50:26**
